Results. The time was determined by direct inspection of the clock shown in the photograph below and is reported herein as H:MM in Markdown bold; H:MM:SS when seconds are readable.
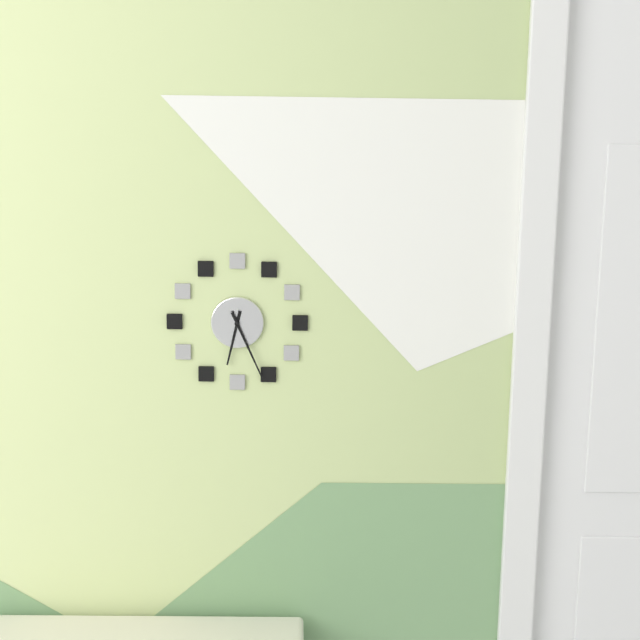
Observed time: **6:26**
